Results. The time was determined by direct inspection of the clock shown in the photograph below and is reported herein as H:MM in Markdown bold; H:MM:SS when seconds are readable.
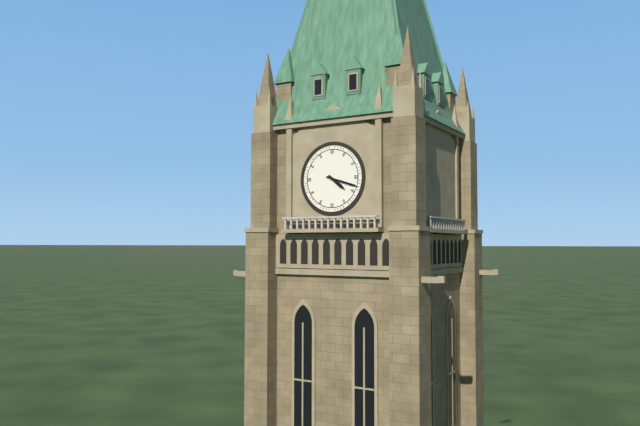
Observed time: **4:18**
